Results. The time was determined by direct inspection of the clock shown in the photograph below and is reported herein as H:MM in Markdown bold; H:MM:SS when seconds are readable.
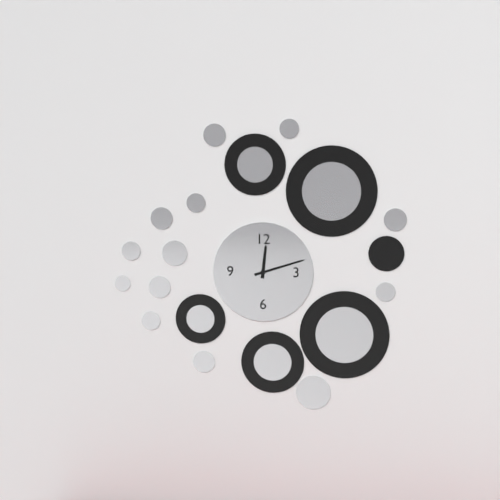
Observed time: **12:12**
